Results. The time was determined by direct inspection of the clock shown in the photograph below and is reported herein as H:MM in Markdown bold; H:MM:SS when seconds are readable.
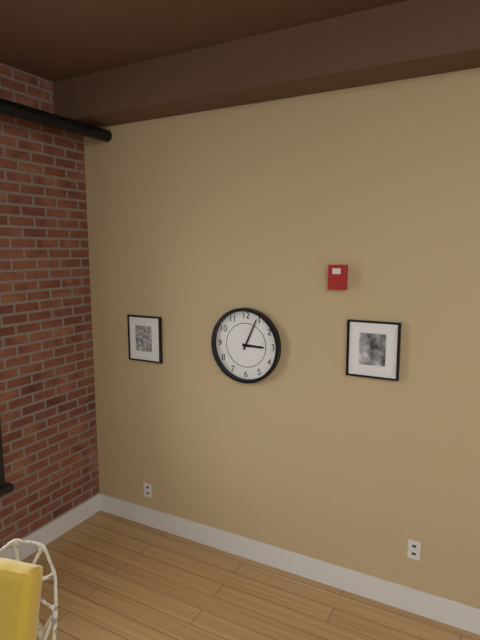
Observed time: **3:04**
